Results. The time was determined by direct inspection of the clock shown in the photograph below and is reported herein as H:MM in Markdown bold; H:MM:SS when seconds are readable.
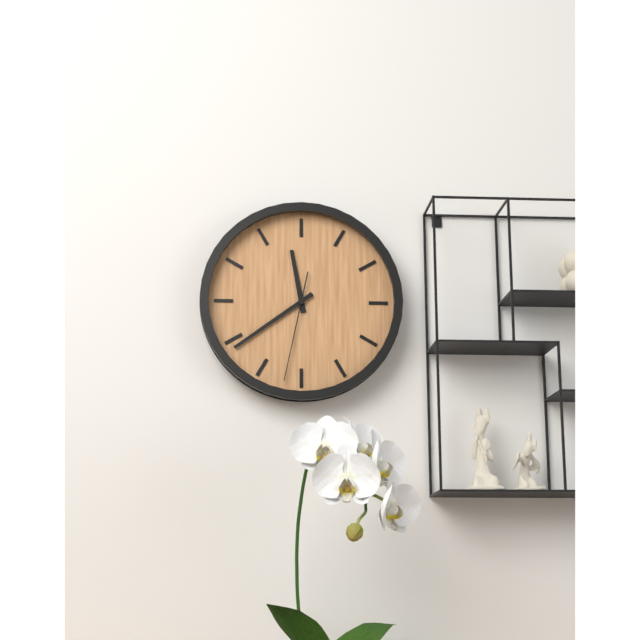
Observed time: **11:39:32**
